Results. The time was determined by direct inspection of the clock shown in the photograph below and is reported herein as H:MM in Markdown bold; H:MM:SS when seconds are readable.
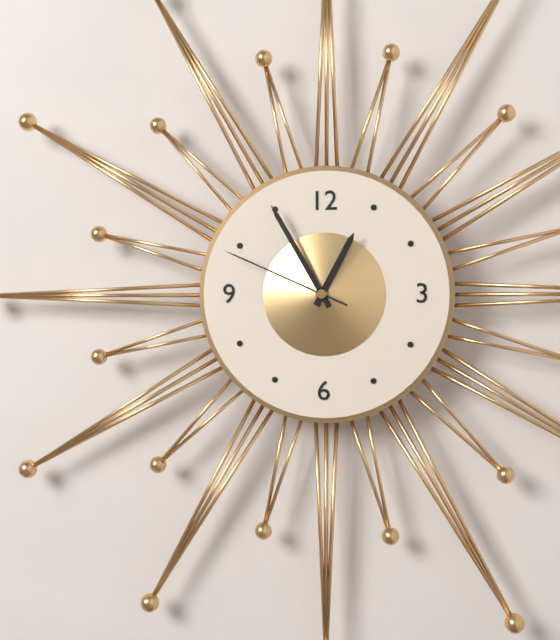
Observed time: **12:55:49**
